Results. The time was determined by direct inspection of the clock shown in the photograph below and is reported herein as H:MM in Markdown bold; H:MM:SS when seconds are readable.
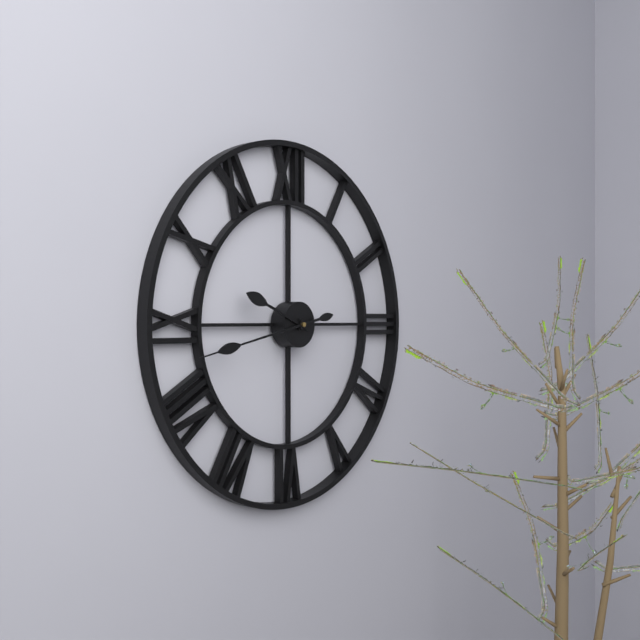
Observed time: **9:43**
